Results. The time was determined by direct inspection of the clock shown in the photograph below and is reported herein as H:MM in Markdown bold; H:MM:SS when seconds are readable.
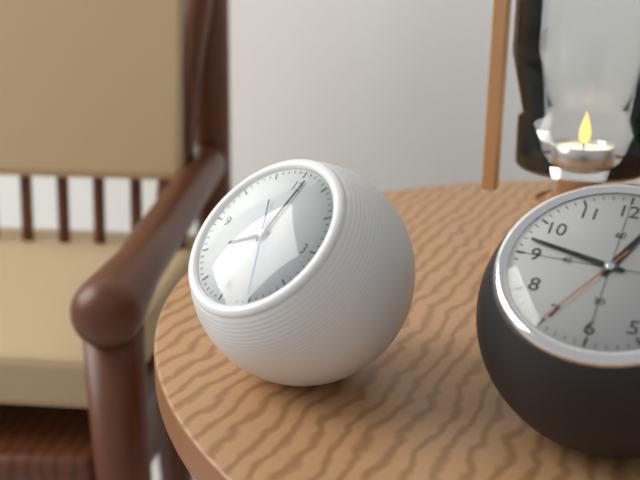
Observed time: **8:01:25**
